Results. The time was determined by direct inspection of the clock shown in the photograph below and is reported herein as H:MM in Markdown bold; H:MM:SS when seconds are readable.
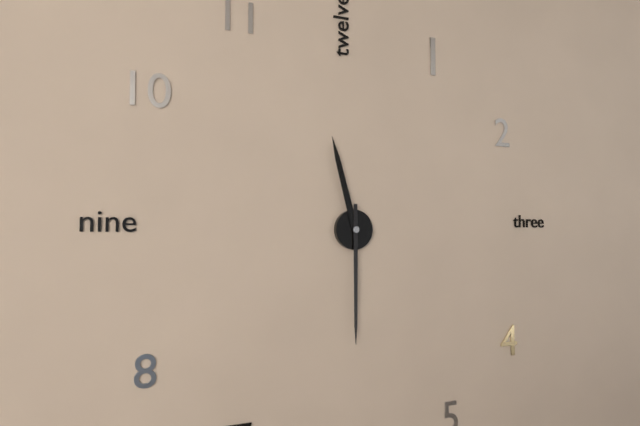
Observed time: **11:30**
